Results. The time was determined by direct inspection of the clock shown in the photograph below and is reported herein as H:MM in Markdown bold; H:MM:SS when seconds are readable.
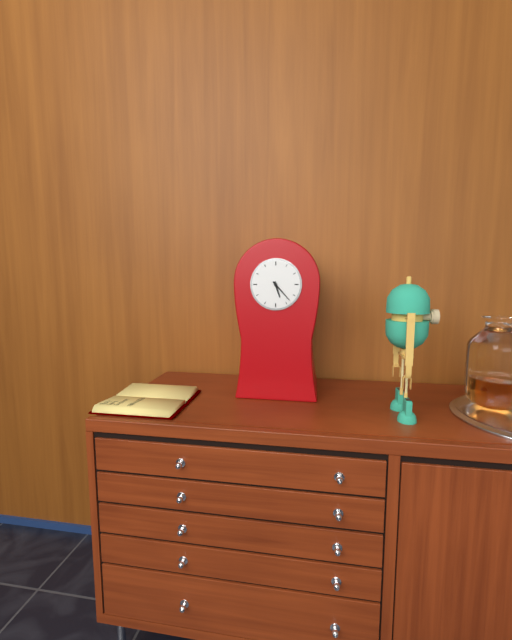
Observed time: **5:23**
